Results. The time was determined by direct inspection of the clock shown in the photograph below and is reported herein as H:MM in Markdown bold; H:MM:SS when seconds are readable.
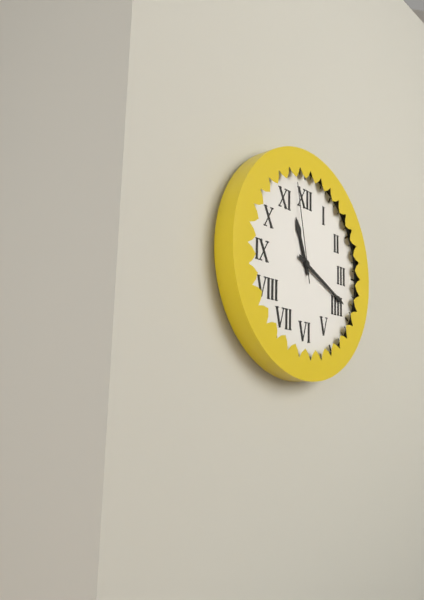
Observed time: **11:19:58**
